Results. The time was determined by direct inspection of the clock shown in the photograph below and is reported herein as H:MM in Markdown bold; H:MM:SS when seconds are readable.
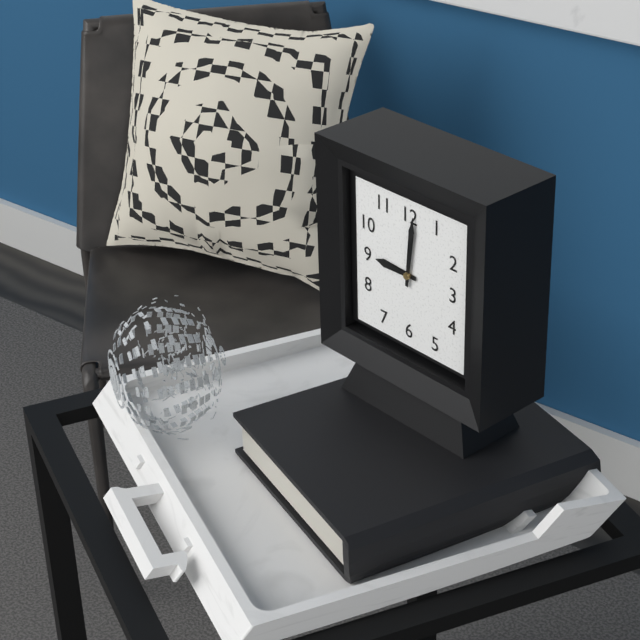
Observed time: **9:01**
